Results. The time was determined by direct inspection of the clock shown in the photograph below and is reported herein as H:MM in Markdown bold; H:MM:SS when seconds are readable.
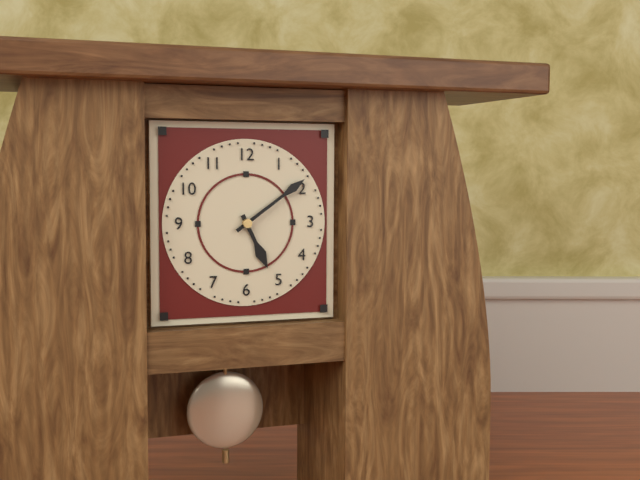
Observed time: **5:09**
